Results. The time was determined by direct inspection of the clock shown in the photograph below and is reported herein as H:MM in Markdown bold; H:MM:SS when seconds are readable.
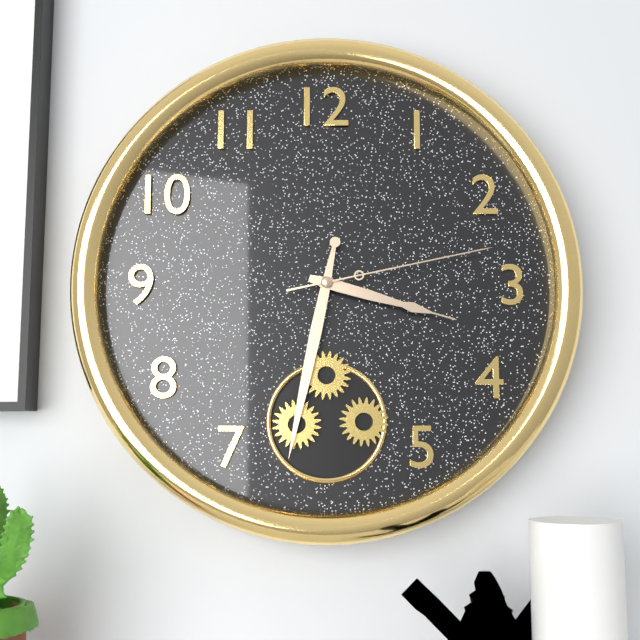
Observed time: **3:32:13**
